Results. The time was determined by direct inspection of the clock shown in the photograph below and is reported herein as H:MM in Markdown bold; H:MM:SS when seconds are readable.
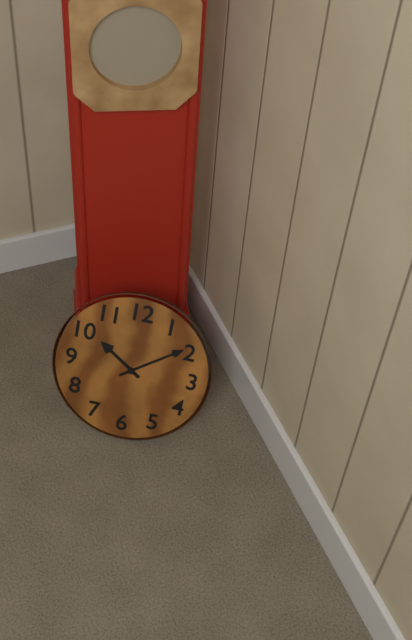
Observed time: **10:09**
